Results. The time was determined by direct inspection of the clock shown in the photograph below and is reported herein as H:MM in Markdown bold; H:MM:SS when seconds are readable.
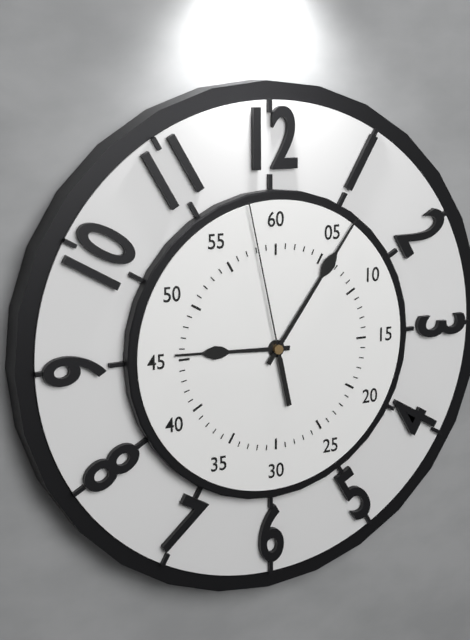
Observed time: **9:06:58**
